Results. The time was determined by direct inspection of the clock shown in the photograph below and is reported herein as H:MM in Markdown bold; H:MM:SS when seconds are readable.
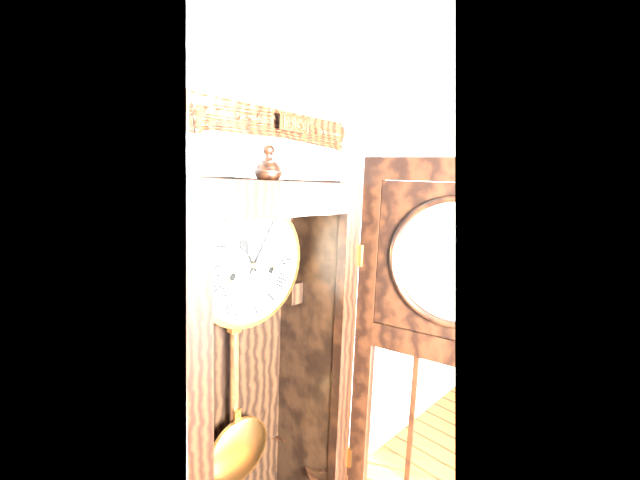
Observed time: **11:05**
